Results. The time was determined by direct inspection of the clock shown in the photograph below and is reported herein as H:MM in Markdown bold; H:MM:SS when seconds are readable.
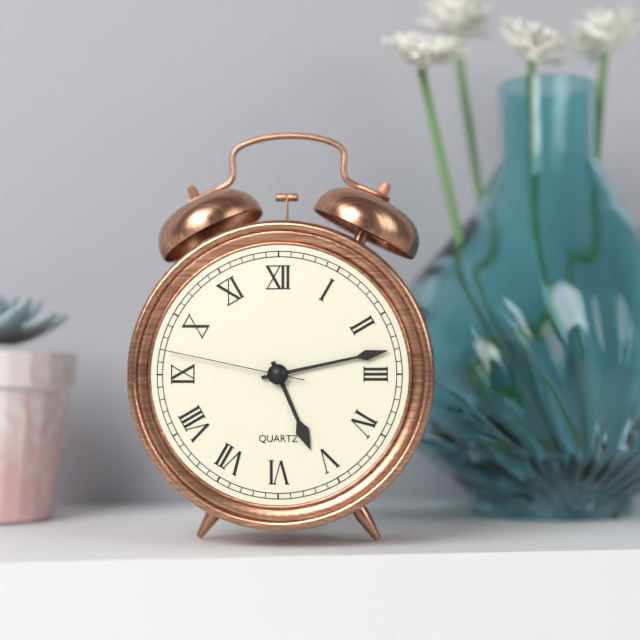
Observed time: **5:13:47**
